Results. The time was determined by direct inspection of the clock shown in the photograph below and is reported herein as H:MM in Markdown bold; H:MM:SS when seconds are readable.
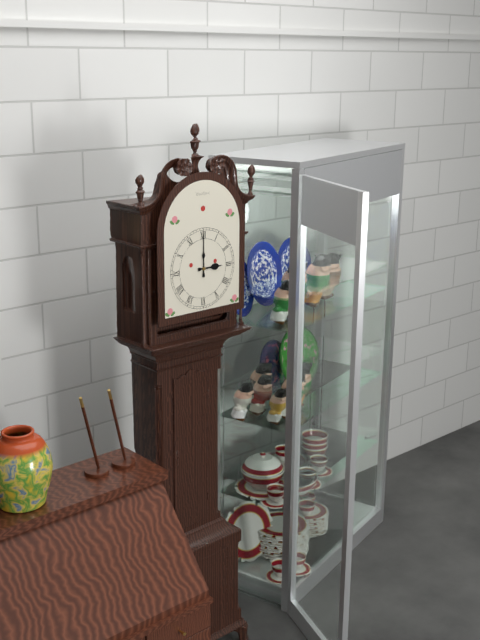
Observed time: **3:00**
